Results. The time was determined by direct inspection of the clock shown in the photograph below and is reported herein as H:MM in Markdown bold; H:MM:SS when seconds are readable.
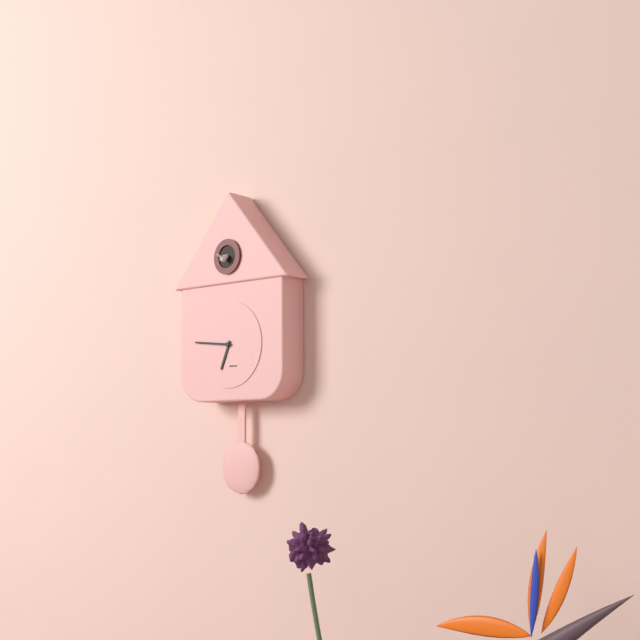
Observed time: **6:46**
